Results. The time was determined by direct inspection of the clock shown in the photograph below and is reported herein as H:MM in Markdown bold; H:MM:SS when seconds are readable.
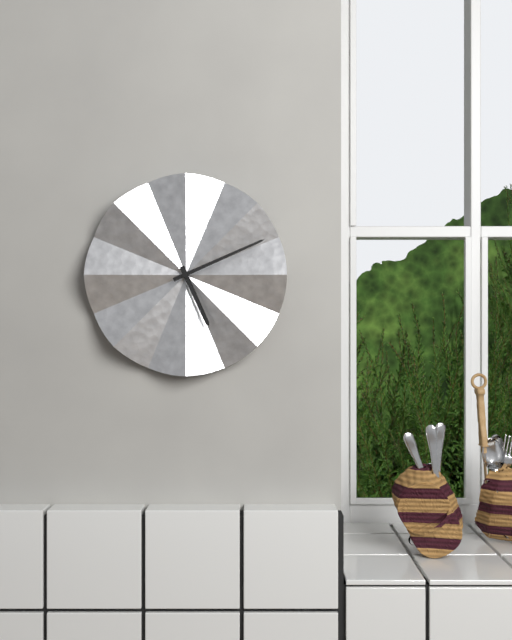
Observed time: **5:11**
